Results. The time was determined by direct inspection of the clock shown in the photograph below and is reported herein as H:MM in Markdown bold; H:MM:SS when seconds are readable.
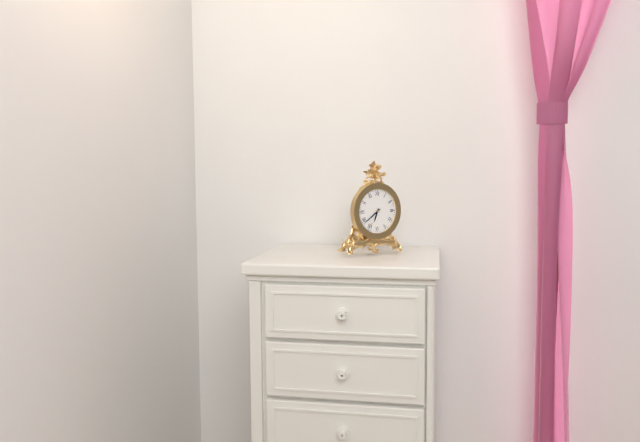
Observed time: **6:39**
